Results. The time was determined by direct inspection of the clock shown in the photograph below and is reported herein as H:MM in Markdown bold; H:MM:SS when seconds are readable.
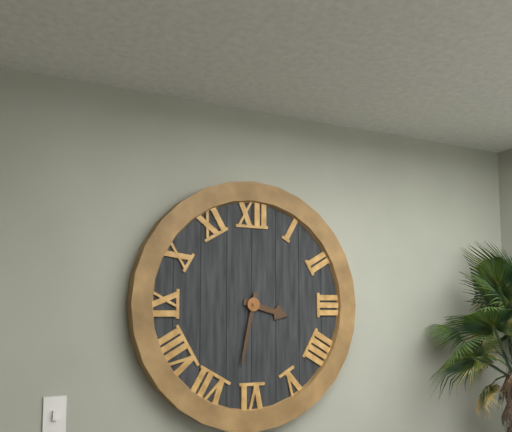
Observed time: **3:32**
